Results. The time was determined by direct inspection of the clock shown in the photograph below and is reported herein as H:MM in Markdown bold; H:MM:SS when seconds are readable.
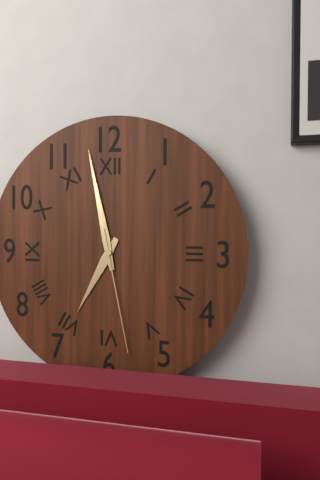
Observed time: **6:58:28**
